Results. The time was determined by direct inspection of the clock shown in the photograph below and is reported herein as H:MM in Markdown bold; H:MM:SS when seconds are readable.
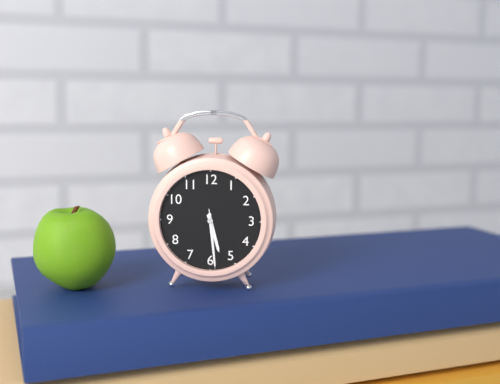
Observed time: **5:29:29**
